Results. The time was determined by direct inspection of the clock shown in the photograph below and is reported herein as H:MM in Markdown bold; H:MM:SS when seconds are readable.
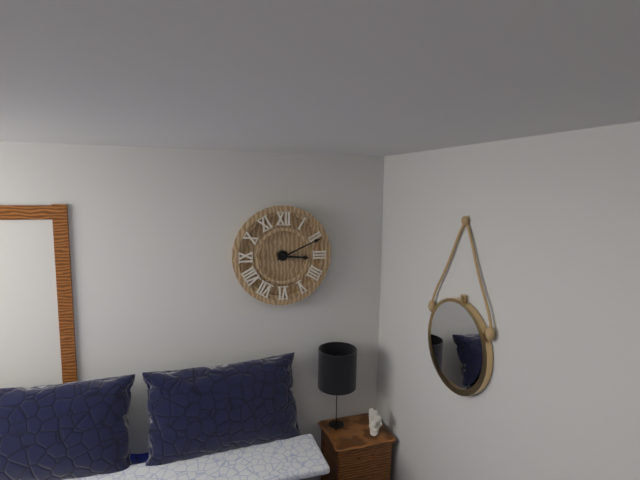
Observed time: **3:11**
